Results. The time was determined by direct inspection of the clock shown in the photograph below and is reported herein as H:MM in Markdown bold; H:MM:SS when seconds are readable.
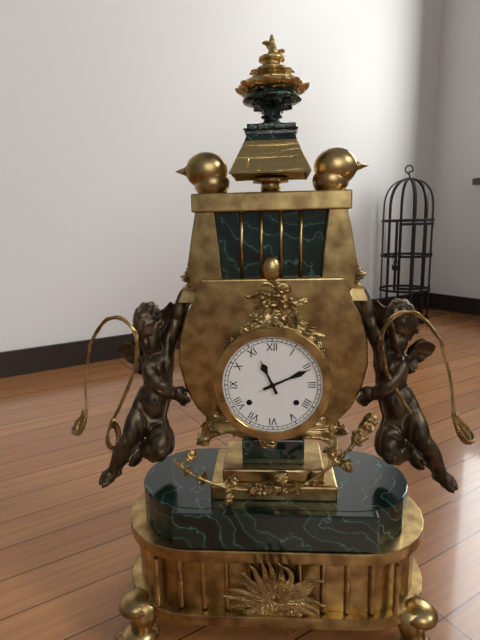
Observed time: **11:11**
